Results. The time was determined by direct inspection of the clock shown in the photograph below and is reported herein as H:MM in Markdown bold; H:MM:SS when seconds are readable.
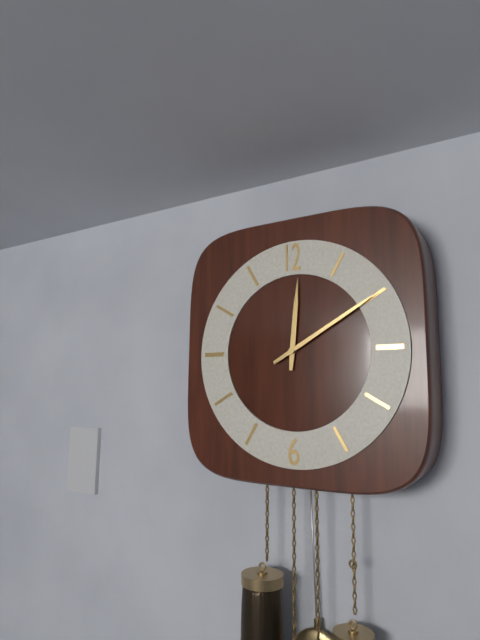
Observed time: **12:10**
